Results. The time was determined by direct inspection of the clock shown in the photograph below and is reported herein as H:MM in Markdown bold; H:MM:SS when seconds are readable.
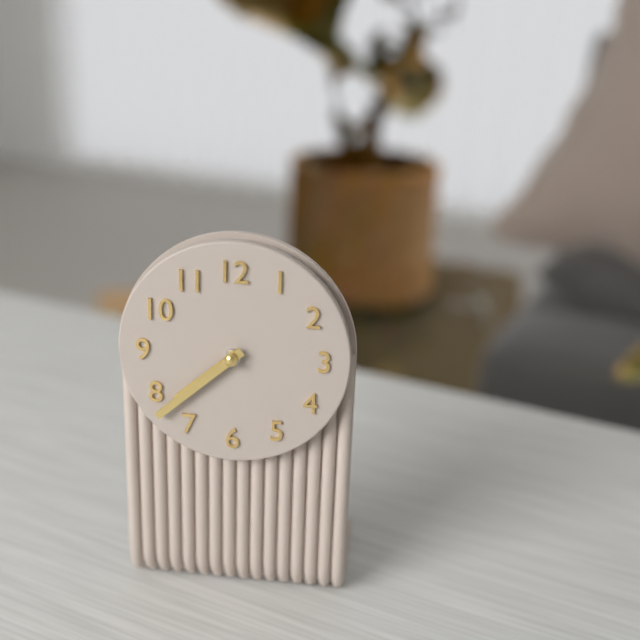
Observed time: **7:38**
